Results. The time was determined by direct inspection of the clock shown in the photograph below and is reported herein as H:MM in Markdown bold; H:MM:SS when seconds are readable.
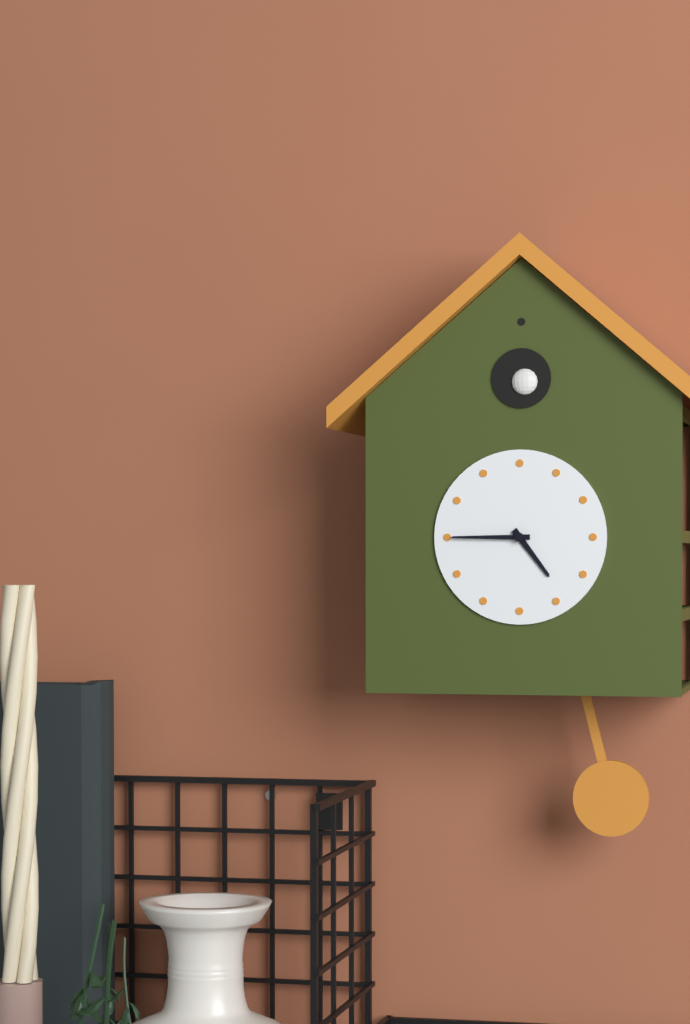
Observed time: **4:45**
